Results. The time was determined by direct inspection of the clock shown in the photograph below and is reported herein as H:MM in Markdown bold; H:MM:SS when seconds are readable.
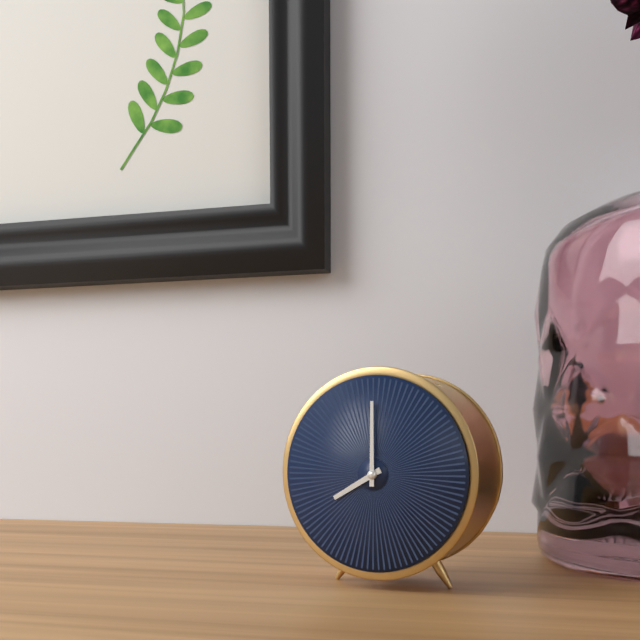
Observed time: **8:00**
